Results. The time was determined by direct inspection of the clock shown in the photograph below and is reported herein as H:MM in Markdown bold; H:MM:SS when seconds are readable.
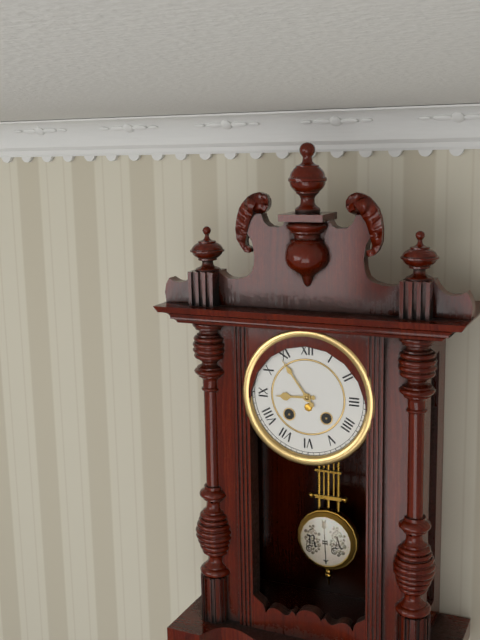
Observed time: **8:54**
